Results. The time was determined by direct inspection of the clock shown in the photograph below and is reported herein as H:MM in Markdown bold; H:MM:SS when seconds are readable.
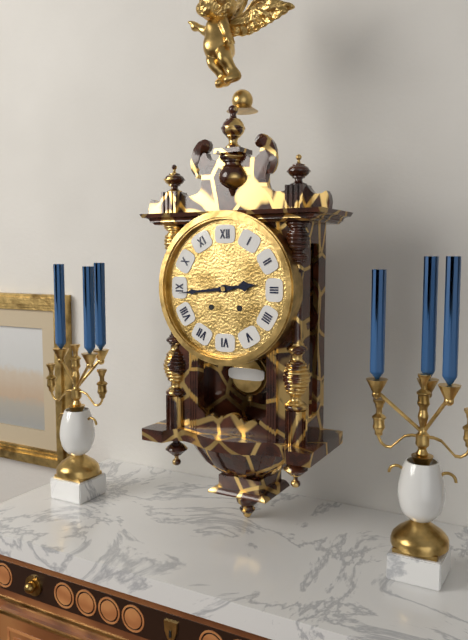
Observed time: **2:44**
